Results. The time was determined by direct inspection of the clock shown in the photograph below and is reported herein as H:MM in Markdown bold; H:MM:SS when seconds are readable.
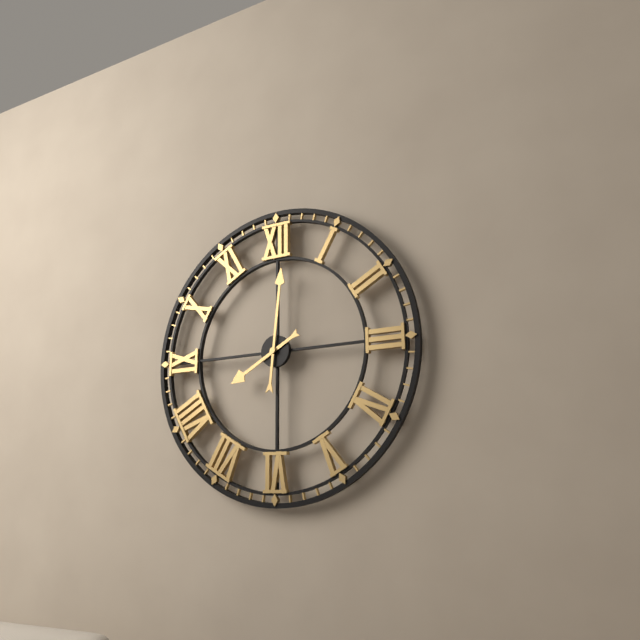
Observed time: **8:01**
